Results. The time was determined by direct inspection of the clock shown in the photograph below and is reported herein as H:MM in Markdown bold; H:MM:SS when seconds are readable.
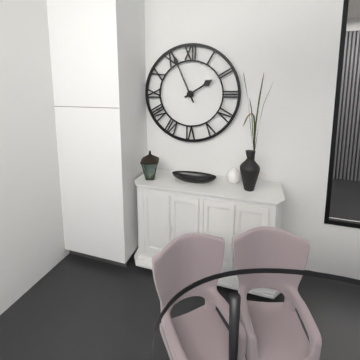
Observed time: **1:56**
